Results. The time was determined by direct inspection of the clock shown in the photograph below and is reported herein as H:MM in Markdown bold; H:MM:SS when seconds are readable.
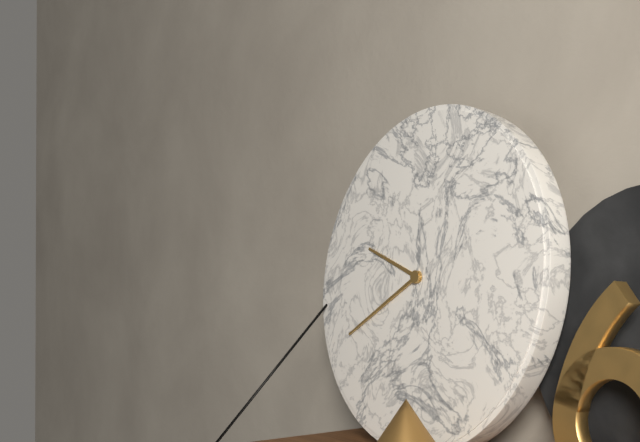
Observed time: **9:40**
